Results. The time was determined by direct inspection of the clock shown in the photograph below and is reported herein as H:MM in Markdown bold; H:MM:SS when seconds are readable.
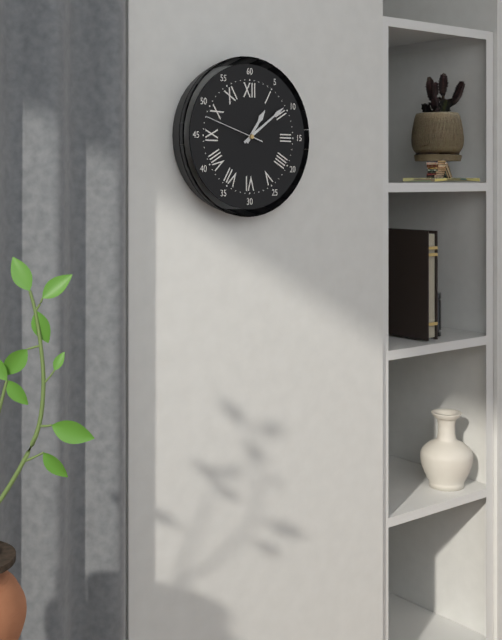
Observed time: **1:09:48**
